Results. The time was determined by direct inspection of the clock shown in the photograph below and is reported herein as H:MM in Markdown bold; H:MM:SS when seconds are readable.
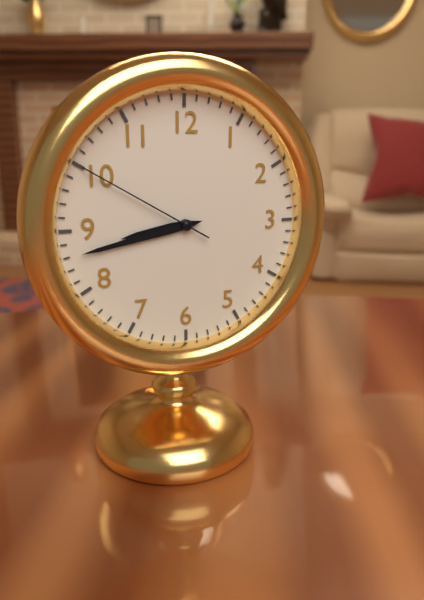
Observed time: **8:43:50**
